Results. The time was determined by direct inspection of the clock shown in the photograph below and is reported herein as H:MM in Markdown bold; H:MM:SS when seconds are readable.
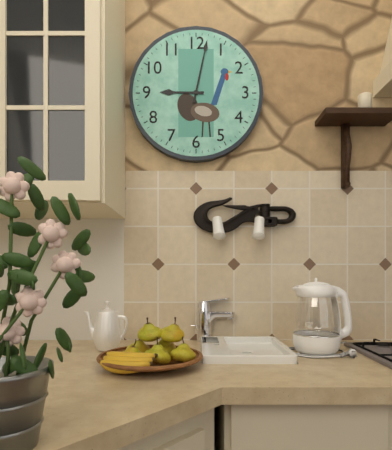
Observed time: **9:02**
